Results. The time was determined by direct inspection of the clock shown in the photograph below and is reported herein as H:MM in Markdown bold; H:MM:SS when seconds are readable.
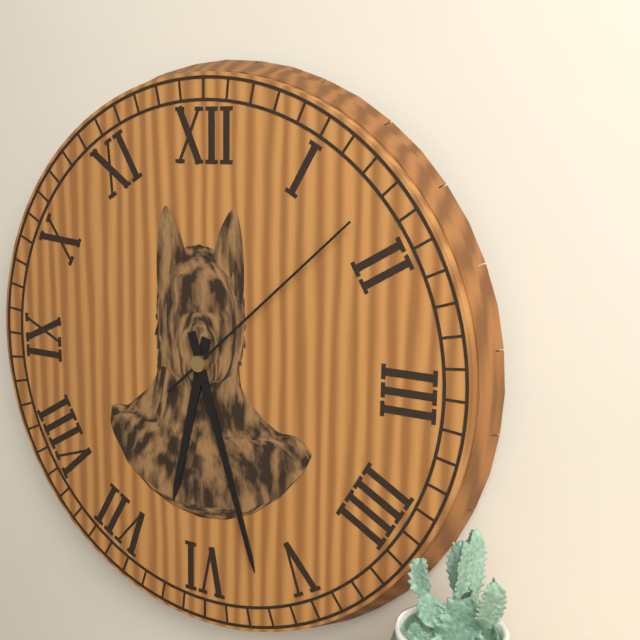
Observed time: **6:27:08**
